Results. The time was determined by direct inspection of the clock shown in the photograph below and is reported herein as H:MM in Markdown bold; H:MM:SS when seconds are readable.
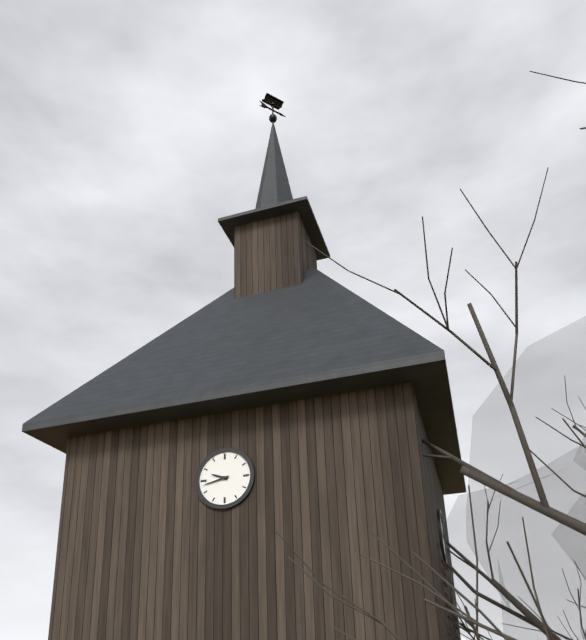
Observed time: **9:43**
